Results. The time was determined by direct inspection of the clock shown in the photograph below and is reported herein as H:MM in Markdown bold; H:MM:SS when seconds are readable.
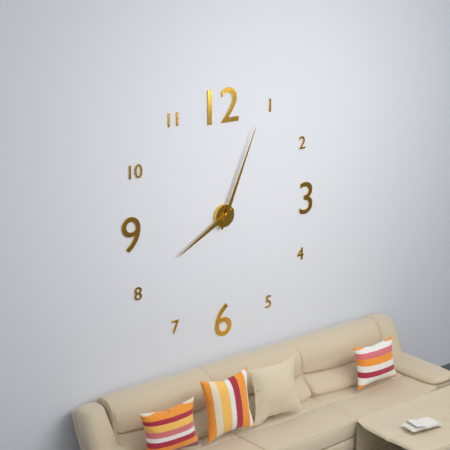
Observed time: **8:04**
